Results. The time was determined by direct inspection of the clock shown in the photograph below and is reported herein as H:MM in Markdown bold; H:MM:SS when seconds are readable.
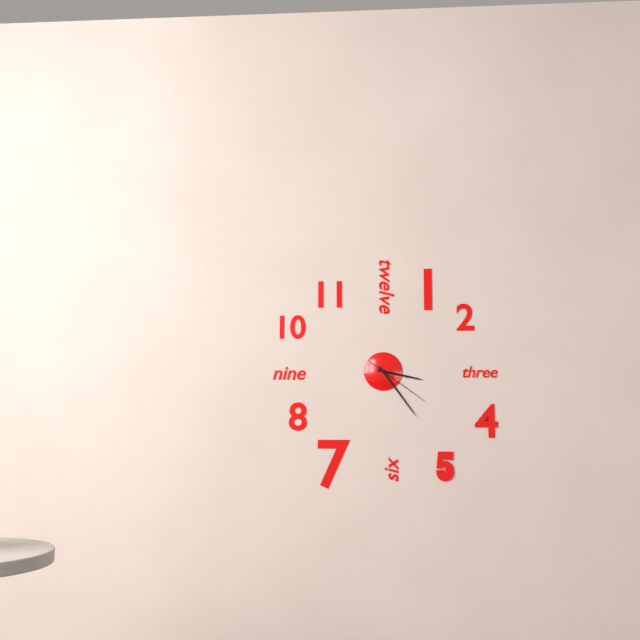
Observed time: **3:24:21**
